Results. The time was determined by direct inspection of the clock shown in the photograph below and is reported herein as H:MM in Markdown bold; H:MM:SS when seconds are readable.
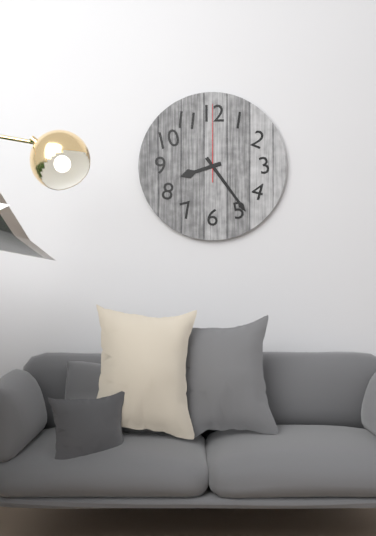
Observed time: **8:24:00**
